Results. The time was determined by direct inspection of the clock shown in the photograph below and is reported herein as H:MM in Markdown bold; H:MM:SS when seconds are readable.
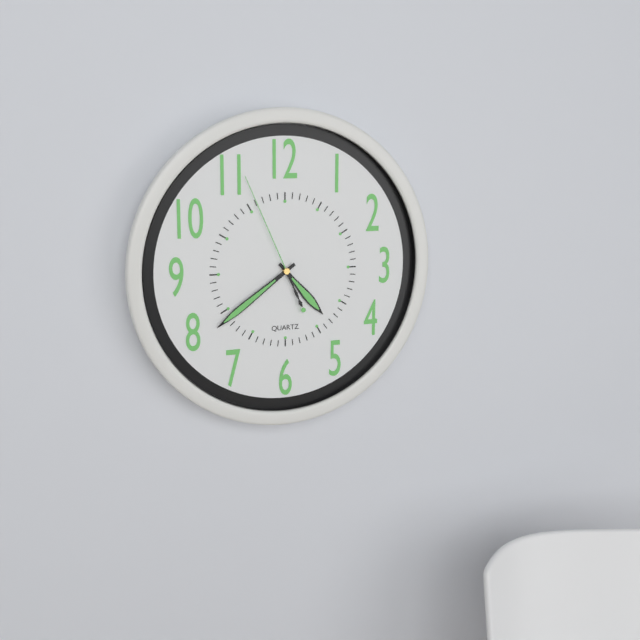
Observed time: **4:39:56**
